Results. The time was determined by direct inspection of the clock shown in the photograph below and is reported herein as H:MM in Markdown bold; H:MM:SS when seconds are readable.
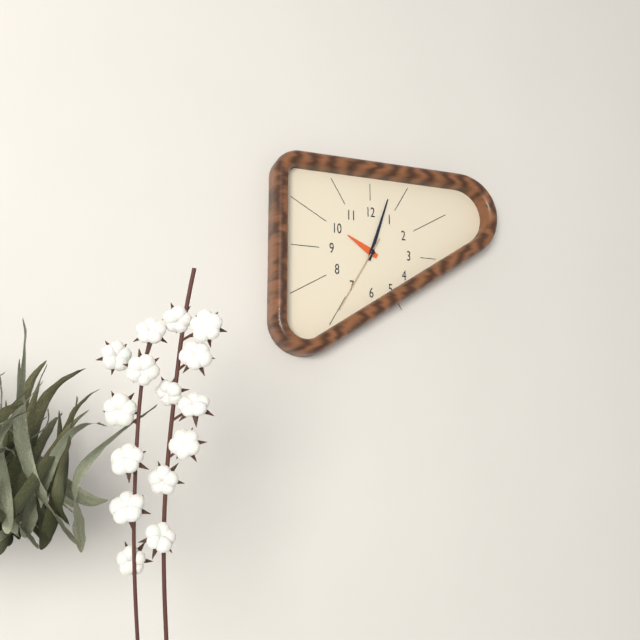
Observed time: **10:03:35**
